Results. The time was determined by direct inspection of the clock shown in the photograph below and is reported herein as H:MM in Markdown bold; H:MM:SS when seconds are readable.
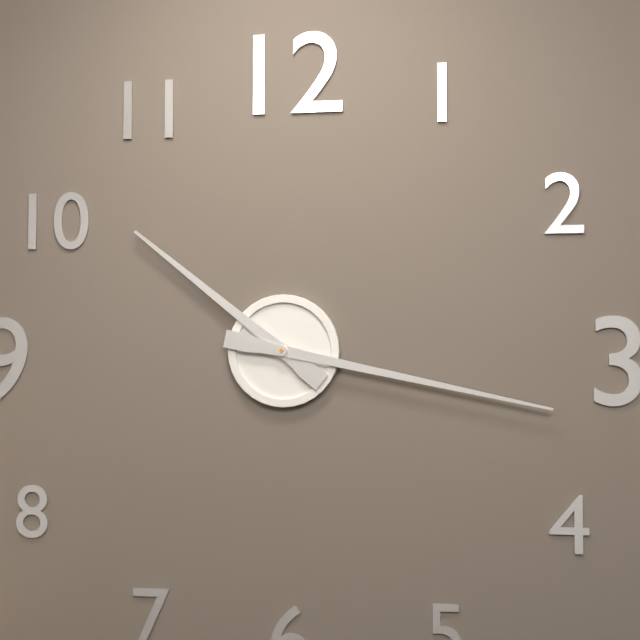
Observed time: **10:17**
